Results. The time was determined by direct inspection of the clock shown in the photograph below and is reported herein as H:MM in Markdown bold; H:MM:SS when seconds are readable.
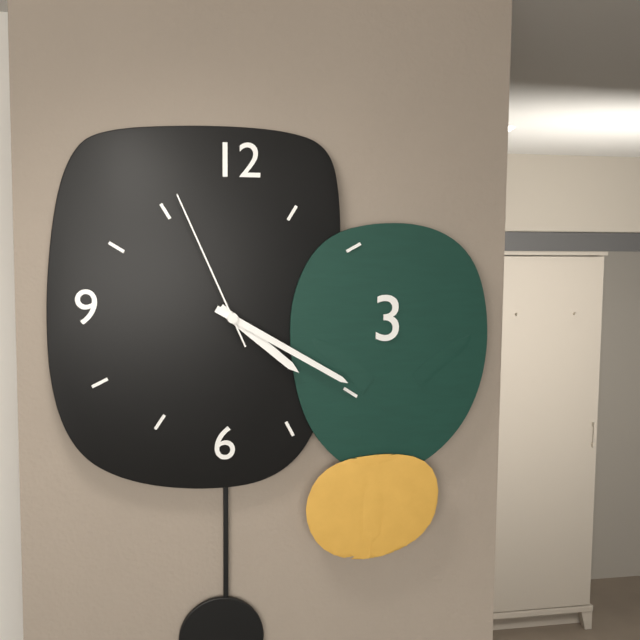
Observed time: **4:20:56**
